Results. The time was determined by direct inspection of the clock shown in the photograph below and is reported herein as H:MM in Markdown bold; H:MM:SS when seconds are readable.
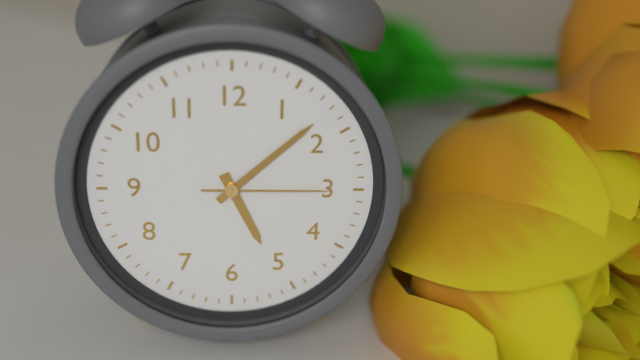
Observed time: **5:08:15**
